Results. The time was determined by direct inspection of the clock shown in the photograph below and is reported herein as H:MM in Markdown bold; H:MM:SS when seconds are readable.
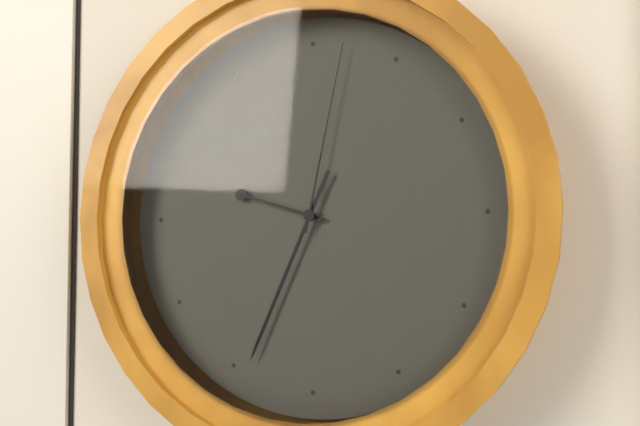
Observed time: **9:34:02**
